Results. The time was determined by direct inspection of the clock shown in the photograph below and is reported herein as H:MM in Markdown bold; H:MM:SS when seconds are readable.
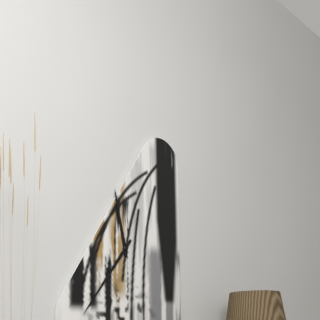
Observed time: **11:36**
